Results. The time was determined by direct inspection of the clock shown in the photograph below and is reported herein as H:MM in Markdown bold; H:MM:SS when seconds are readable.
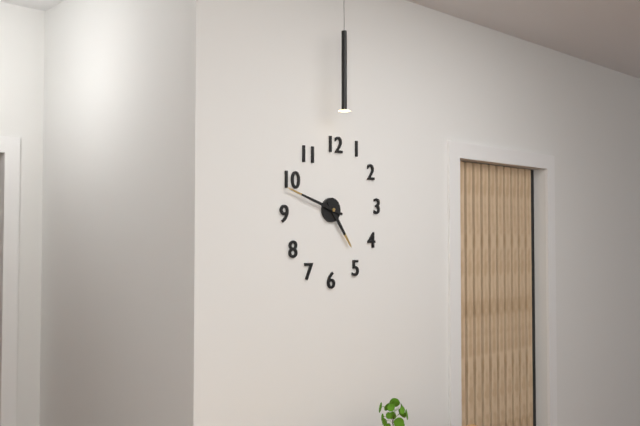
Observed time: **4:48**
